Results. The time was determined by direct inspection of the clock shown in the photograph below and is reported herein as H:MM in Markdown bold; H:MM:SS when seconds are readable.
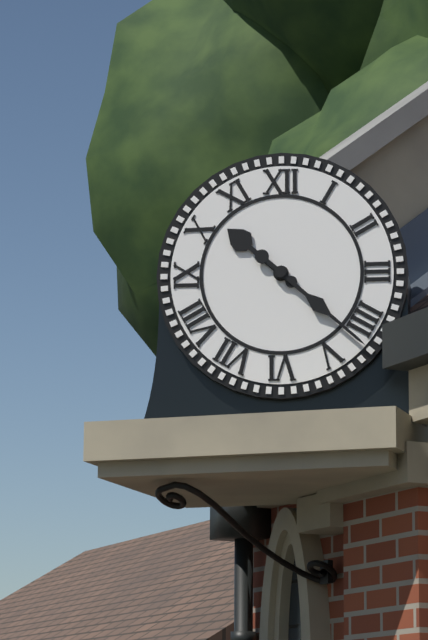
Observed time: **10:22**
